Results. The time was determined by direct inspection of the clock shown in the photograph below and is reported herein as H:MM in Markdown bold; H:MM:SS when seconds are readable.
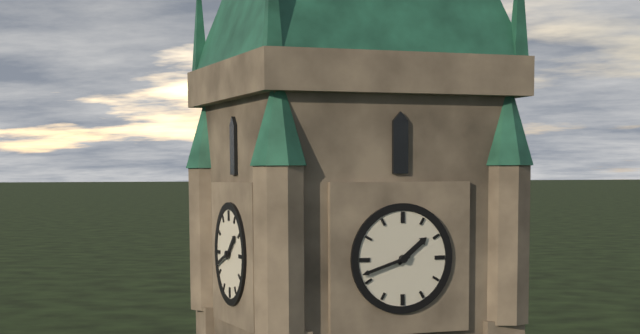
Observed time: **1:42**
